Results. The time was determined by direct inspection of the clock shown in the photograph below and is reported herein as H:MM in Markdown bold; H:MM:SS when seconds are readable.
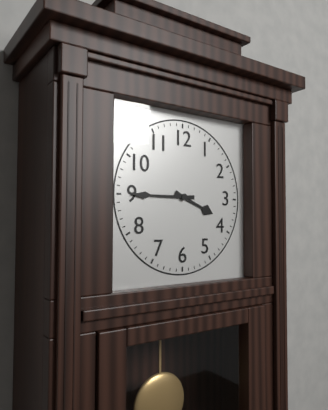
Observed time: **3:45**
